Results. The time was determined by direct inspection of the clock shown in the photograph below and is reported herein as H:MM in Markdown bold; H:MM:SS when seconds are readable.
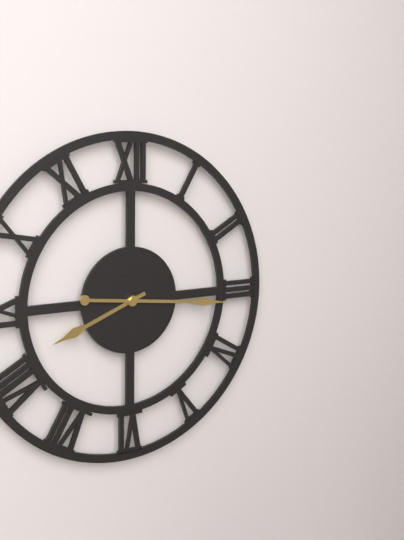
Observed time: **8:16**
